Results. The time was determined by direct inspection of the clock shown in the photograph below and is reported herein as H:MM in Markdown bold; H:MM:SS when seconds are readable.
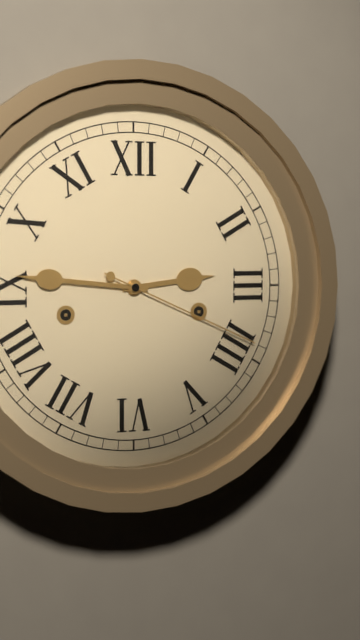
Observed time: **2:46:19**
